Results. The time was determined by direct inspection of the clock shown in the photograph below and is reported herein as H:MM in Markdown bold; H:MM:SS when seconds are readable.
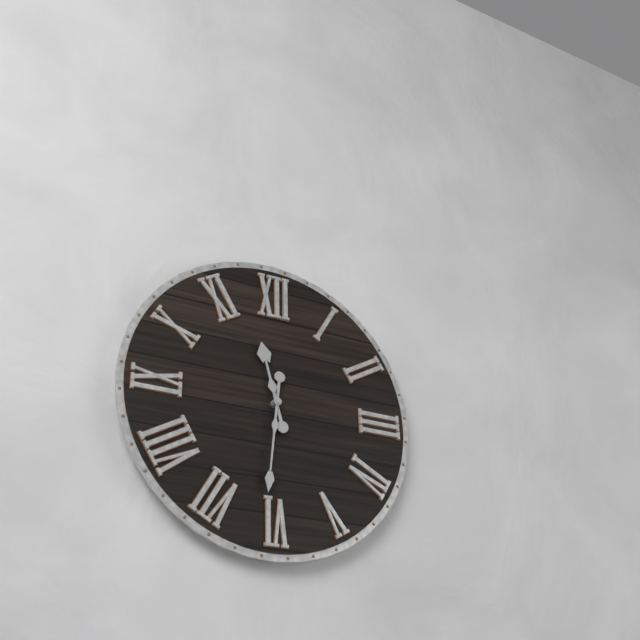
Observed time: **11:31**
